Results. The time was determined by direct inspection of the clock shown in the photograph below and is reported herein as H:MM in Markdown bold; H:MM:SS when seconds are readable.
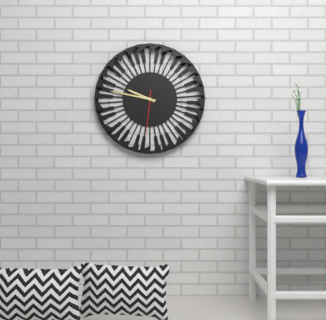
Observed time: **9:47**
